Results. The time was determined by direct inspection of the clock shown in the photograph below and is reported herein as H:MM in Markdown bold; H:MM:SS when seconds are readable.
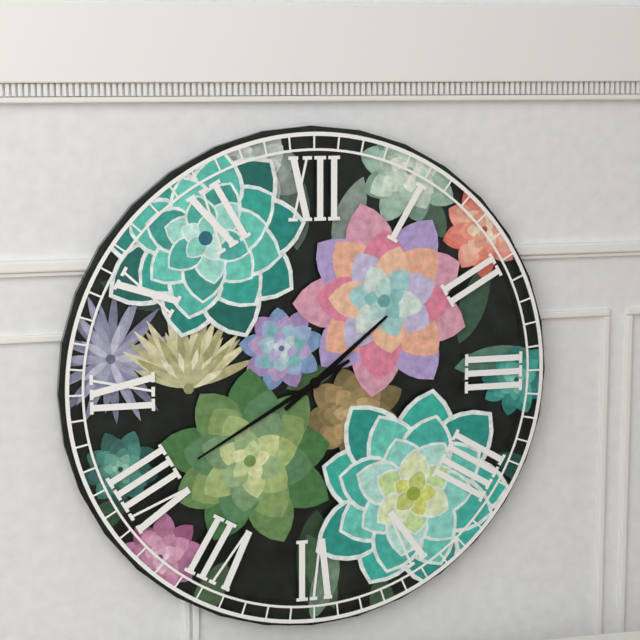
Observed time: **1:40**
